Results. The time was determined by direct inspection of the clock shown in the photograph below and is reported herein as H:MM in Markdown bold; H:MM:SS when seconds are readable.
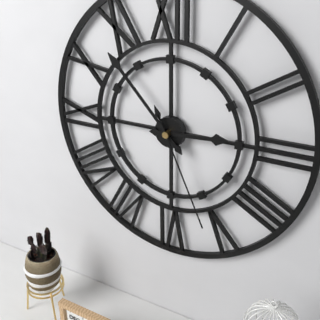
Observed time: **2:53:26**
